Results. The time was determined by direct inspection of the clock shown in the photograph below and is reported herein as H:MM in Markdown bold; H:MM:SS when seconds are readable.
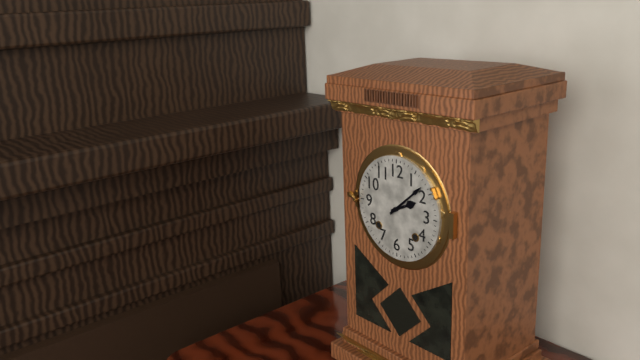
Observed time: **2:08**
